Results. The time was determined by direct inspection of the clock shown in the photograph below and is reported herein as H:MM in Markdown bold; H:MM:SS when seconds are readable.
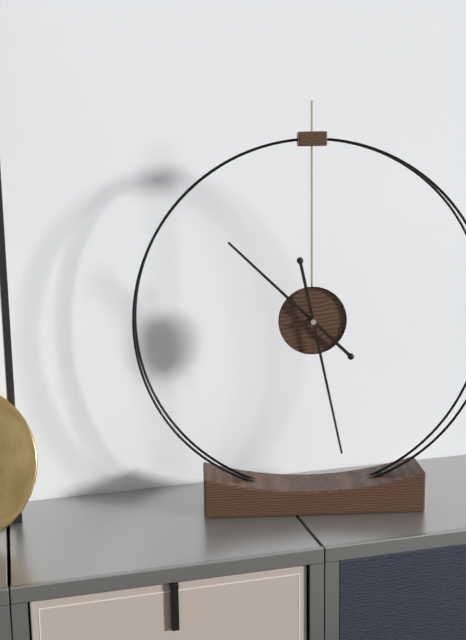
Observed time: **10:28**
